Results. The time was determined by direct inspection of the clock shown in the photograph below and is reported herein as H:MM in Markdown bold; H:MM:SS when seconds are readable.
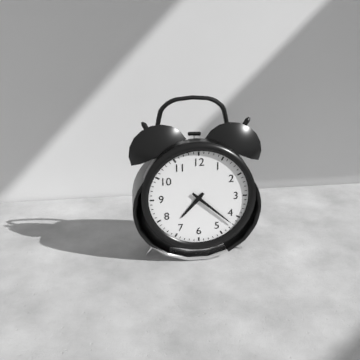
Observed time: **7:22**
